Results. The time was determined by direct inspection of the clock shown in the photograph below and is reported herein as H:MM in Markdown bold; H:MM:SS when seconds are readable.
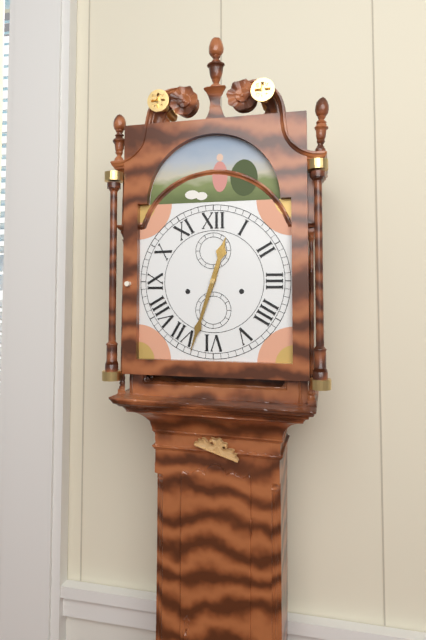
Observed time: **12:33**
